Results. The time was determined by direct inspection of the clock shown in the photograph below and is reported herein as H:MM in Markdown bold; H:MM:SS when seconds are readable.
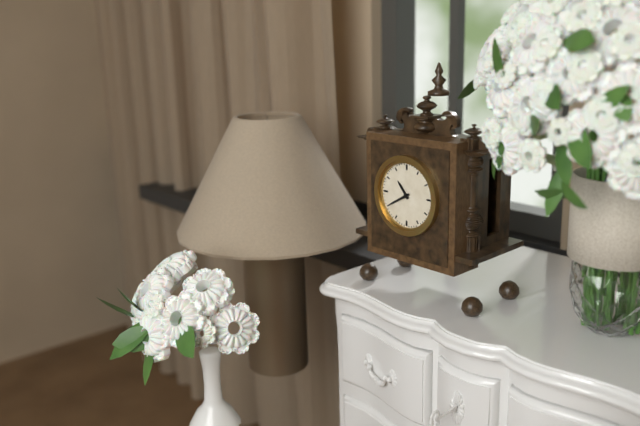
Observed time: **10:40**
